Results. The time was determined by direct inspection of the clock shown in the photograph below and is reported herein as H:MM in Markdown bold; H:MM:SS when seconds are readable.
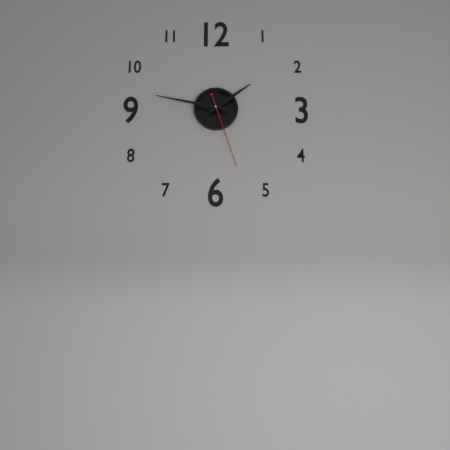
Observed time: **1:47:27**
